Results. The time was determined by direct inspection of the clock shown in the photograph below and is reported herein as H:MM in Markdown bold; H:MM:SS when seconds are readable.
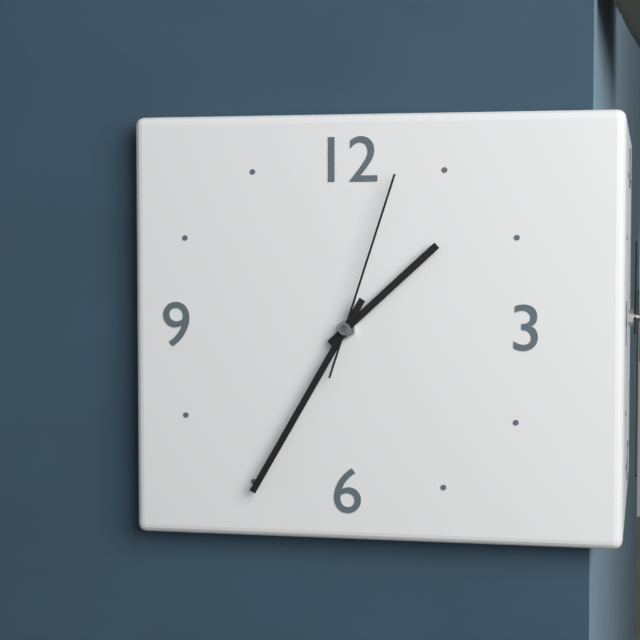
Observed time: **1:35:03**
